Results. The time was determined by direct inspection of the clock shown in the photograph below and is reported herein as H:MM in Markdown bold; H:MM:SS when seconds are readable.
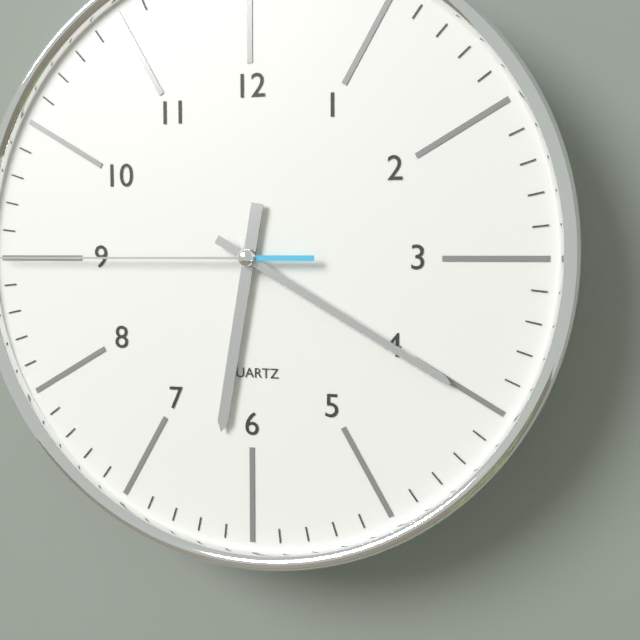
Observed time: **6:20**
